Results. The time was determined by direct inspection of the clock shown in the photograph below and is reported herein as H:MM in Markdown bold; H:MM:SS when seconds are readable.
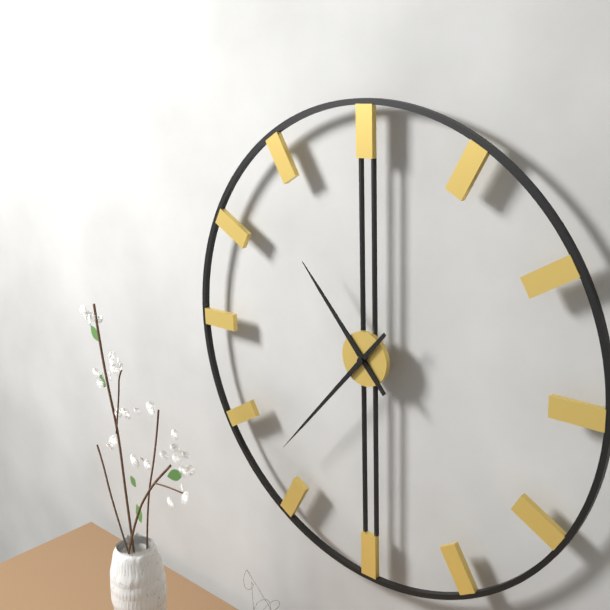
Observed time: **10:37**
